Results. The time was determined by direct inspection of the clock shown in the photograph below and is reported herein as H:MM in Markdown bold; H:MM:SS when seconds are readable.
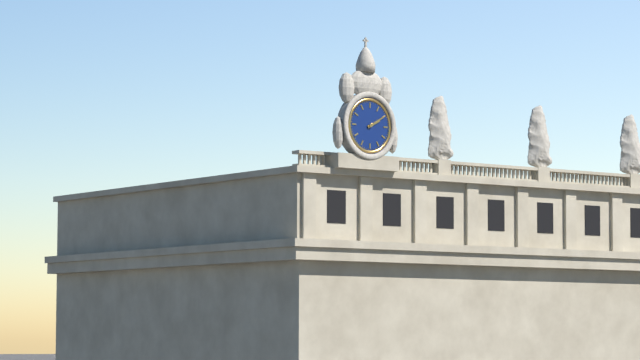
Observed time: **2:10**
